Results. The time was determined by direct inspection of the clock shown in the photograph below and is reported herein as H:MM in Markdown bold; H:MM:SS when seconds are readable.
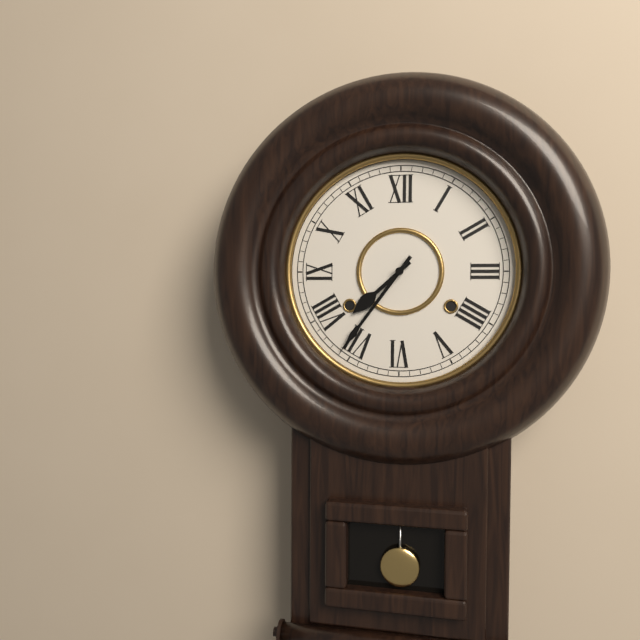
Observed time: **7:36**
